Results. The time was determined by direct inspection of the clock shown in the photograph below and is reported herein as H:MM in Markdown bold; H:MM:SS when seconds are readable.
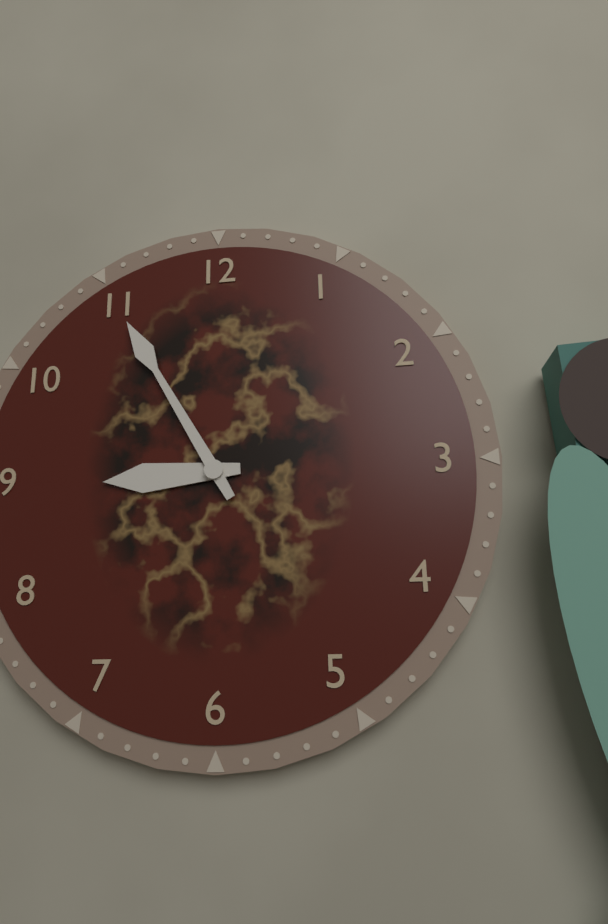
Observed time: **8:55**
